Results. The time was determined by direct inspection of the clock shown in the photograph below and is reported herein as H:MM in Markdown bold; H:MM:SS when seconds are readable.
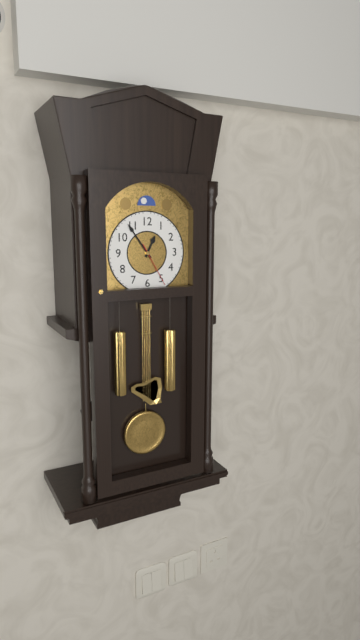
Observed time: **12:54**
